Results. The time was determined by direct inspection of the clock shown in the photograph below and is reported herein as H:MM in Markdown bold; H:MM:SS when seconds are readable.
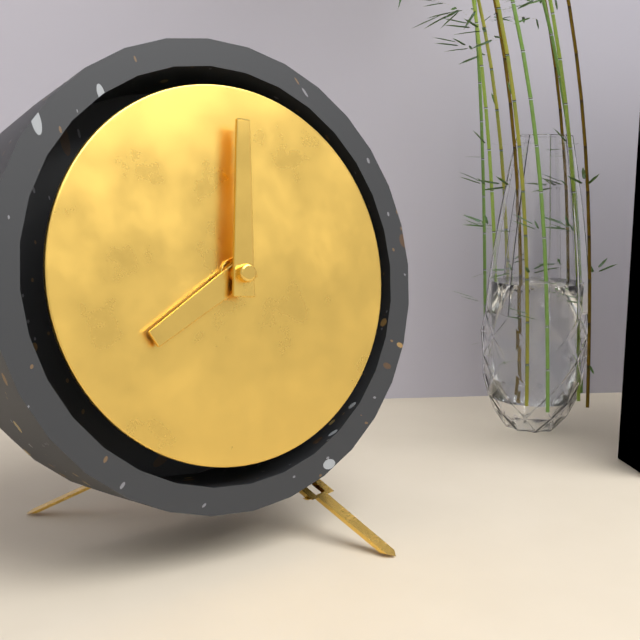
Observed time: **8:01**
